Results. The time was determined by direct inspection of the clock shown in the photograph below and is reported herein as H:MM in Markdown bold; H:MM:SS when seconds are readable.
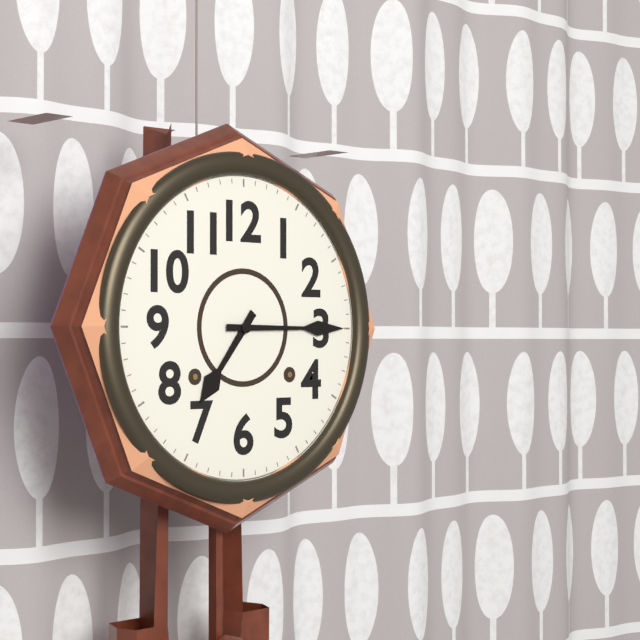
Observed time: **7:15**
